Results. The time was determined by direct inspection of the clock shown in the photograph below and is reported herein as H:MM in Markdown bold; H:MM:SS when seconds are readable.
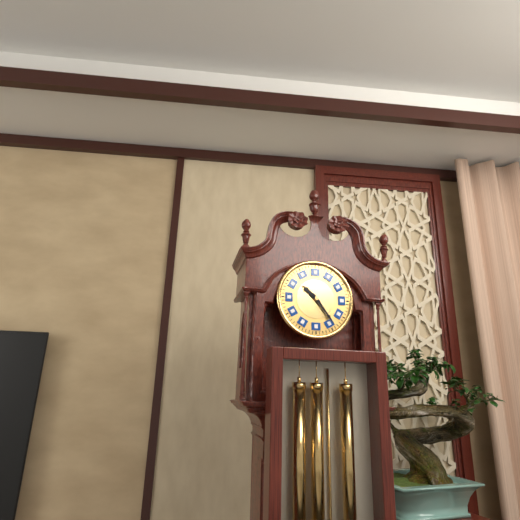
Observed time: **10:24**
